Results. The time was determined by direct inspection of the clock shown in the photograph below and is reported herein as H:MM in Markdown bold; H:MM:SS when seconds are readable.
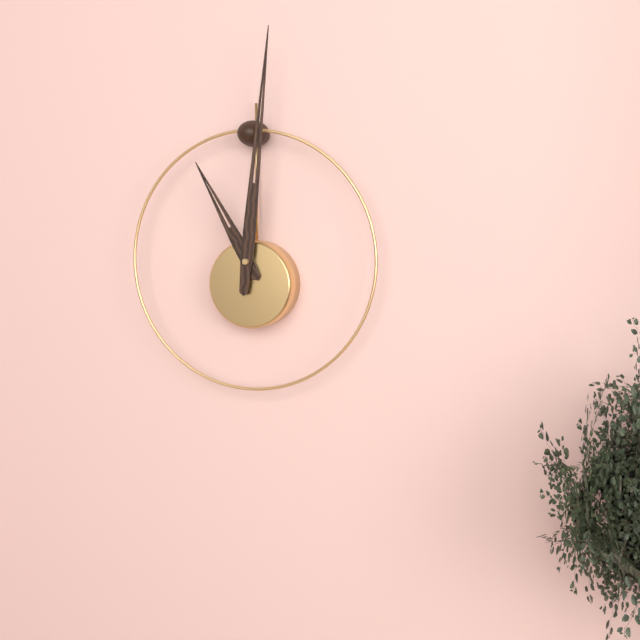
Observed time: **11:01**
